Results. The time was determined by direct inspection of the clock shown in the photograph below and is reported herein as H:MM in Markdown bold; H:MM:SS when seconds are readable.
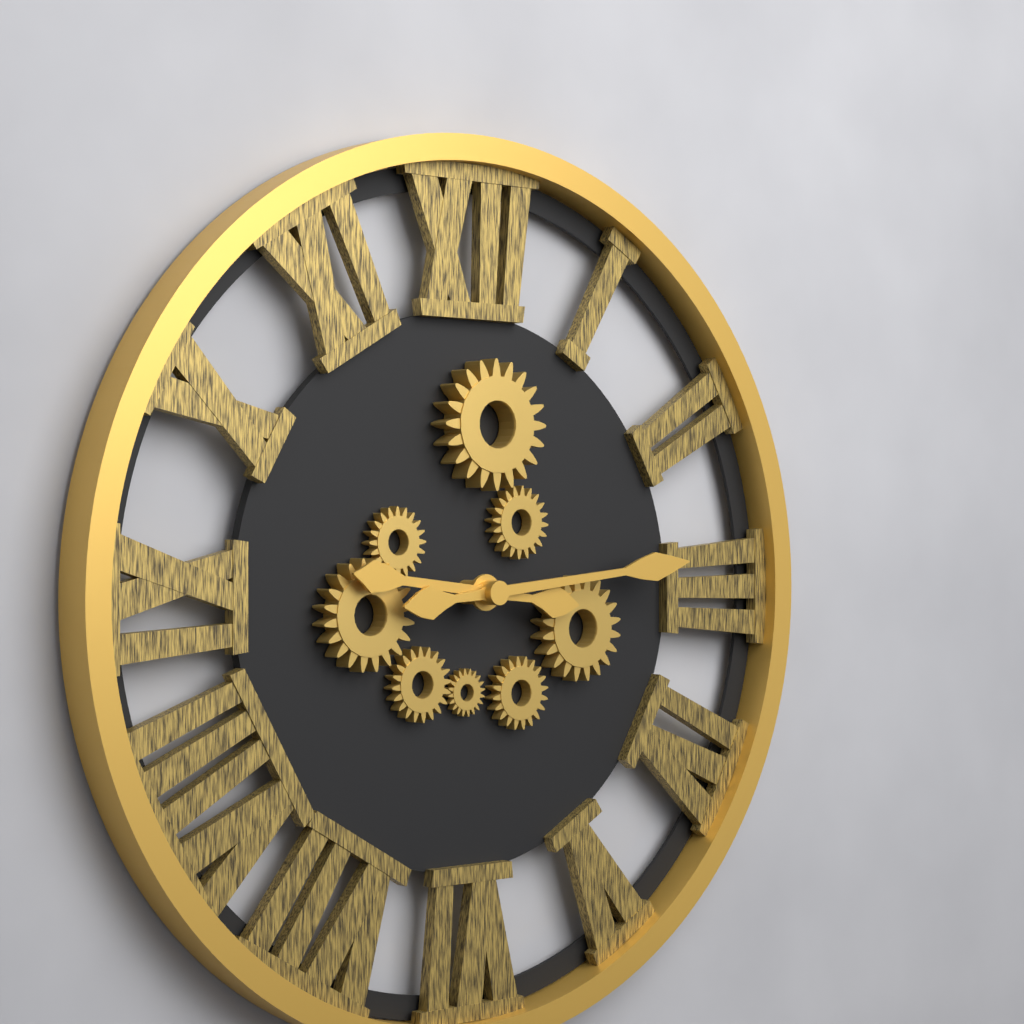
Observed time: **9:14**
